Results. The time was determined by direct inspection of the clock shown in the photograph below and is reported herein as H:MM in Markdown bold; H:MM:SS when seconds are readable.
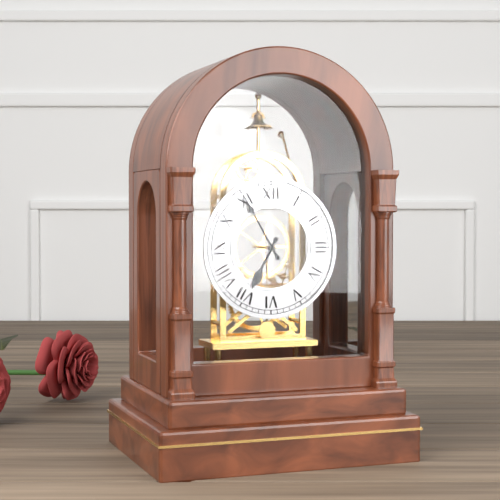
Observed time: **6:55**
